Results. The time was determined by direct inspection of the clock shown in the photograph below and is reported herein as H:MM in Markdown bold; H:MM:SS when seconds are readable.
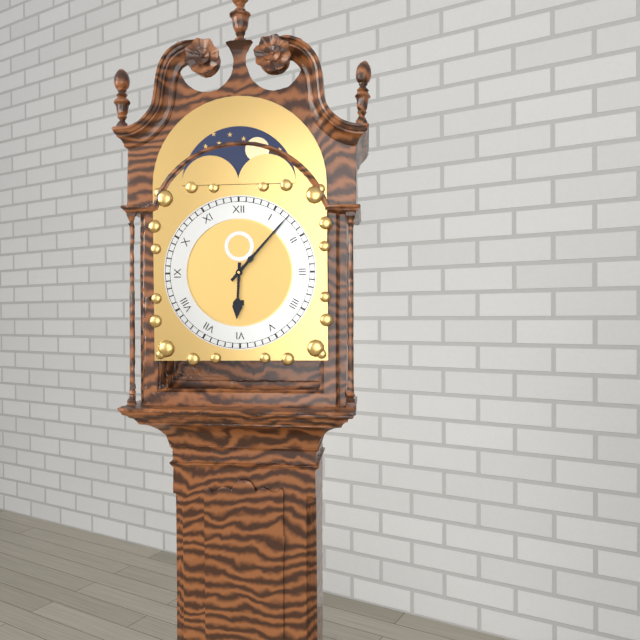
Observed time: **6:07**
